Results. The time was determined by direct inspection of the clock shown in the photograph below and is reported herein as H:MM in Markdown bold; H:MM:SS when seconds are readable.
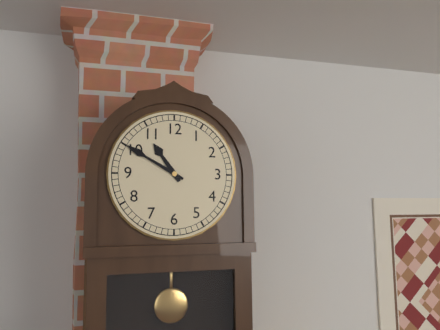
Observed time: **10:50**
